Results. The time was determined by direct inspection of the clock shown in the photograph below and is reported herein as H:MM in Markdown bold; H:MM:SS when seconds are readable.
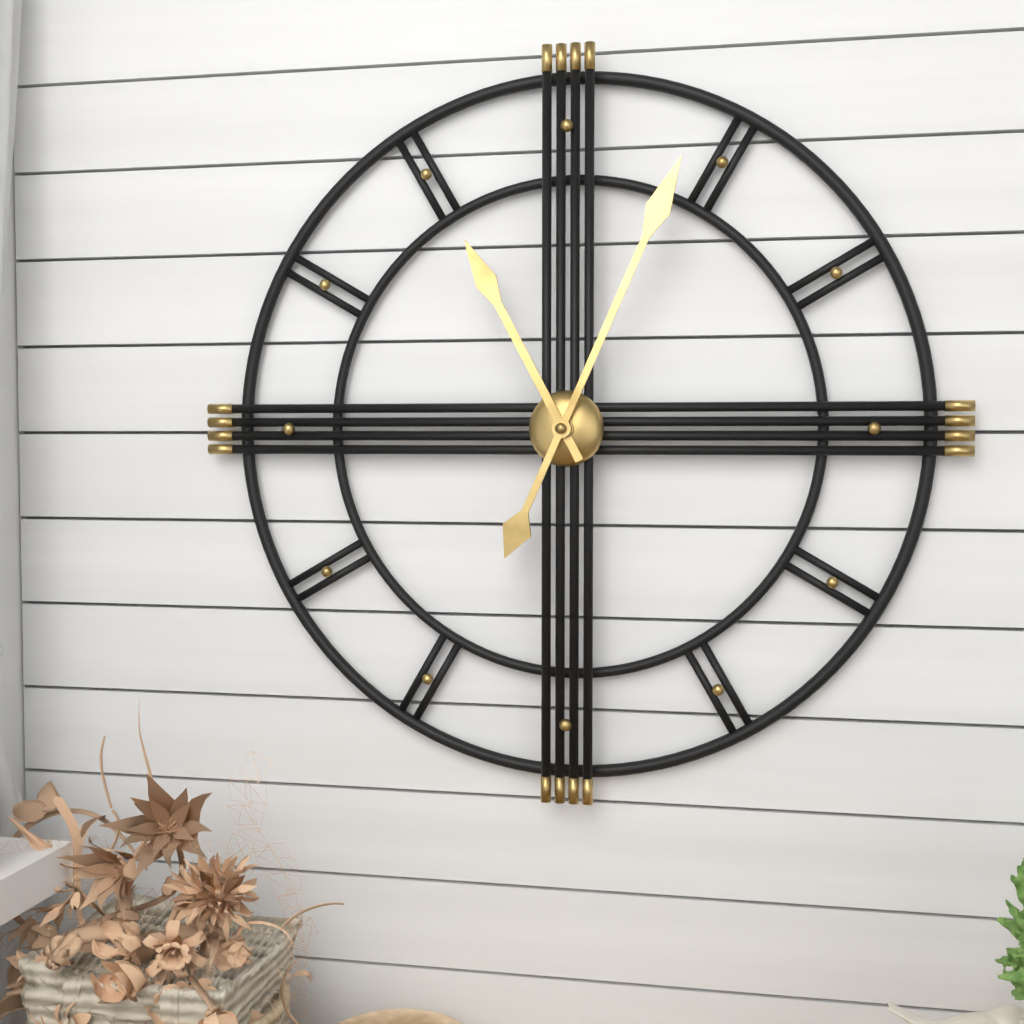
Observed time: **11:04**
